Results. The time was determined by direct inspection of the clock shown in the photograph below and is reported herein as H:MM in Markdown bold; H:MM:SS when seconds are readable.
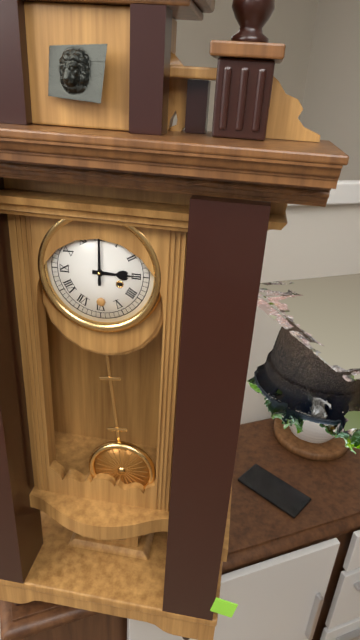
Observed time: **3:00**
